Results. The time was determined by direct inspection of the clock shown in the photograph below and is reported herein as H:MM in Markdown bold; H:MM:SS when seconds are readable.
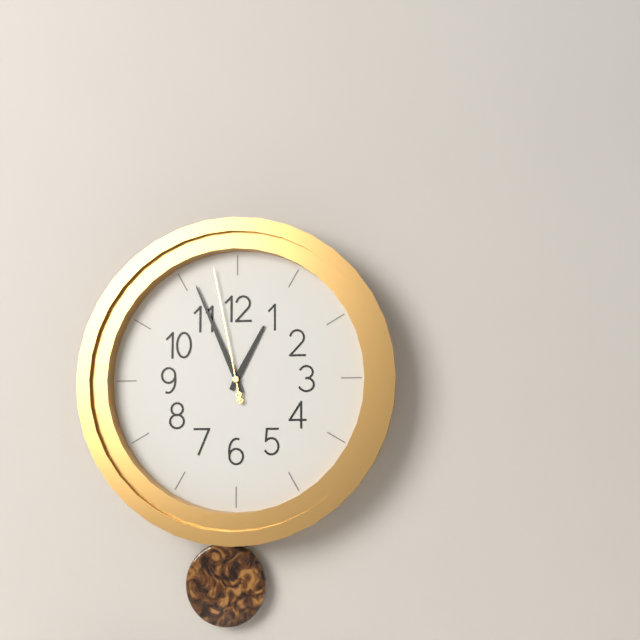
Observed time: **12:56:58**
